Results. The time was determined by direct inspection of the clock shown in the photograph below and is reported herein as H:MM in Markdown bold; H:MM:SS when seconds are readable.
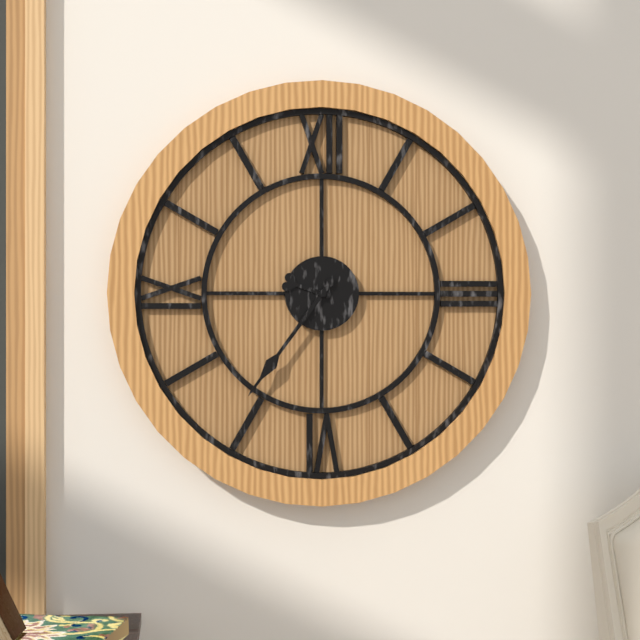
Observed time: **9:36**
